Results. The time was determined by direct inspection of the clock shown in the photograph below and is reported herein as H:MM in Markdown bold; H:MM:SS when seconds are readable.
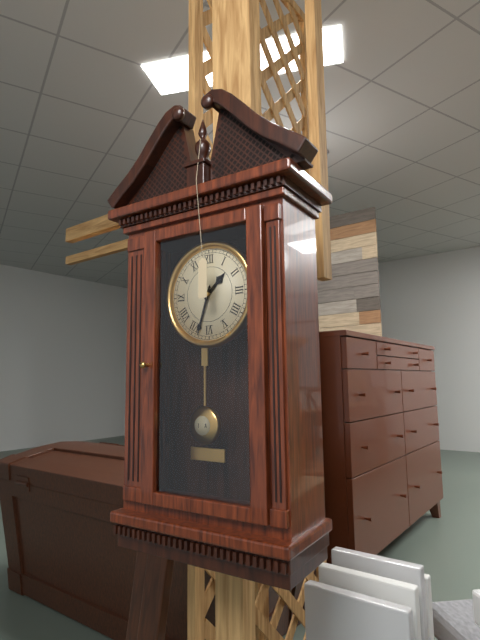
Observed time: **1:33**
